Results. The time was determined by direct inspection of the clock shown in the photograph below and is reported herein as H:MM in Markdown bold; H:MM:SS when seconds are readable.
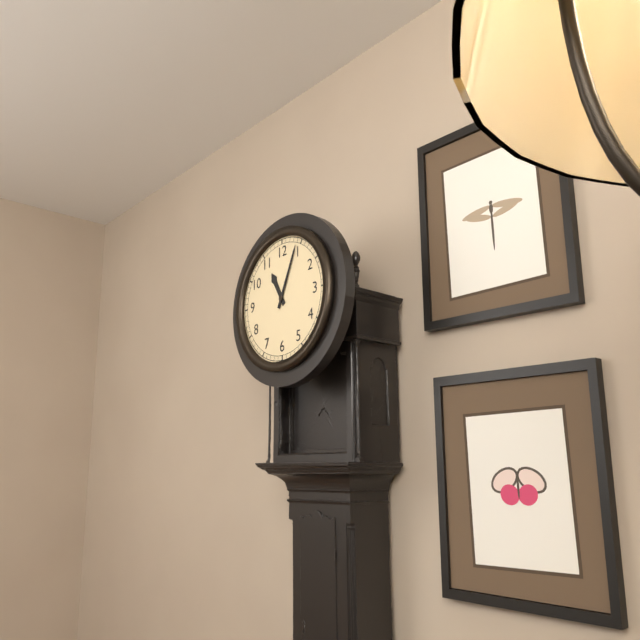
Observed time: **11:04**
